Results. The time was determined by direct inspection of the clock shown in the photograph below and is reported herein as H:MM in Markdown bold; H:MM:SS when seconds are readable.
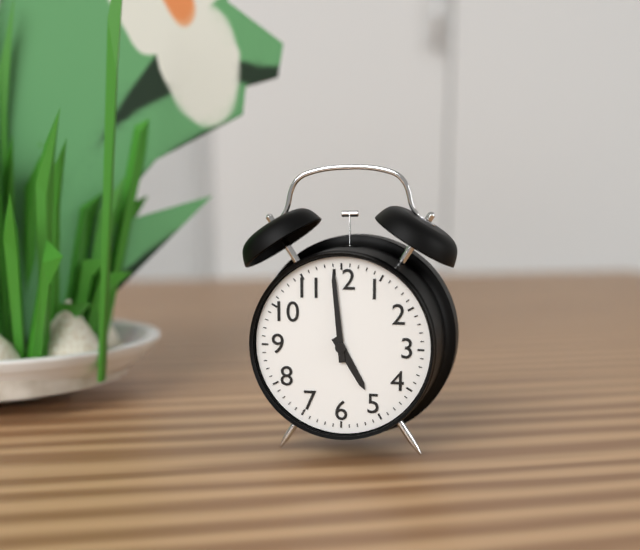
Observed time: **4:59**
